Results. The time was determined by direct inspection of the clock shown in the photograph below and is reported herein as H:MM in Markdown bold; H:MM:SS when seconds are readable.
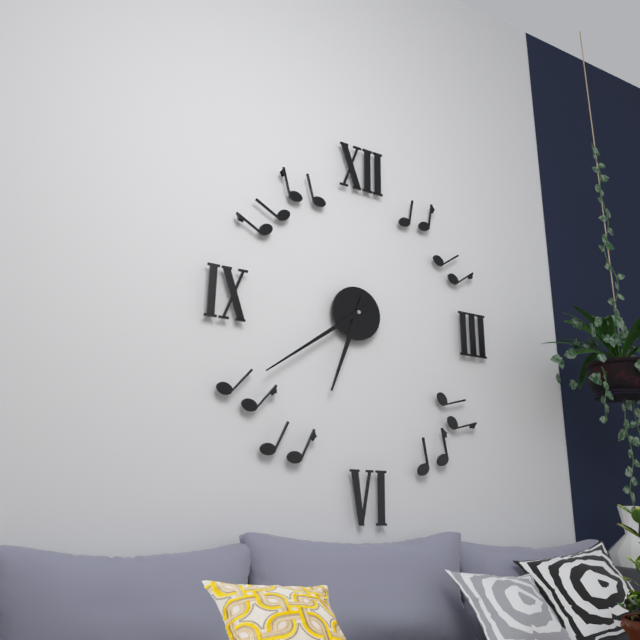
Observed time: **6:39**
